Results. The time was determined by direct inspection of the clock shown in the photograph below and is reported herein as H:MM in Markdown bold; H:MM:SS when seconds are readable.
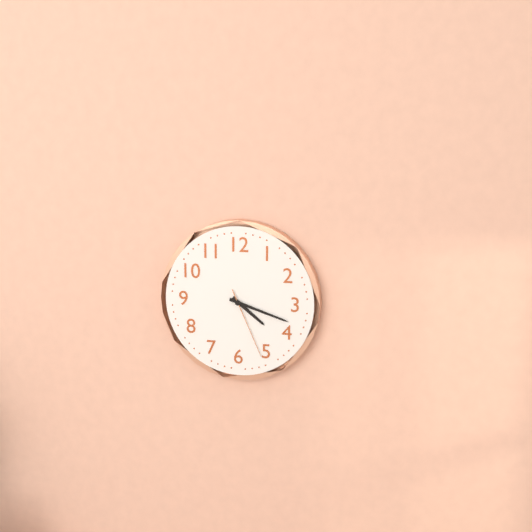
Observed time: **4:18:26**
